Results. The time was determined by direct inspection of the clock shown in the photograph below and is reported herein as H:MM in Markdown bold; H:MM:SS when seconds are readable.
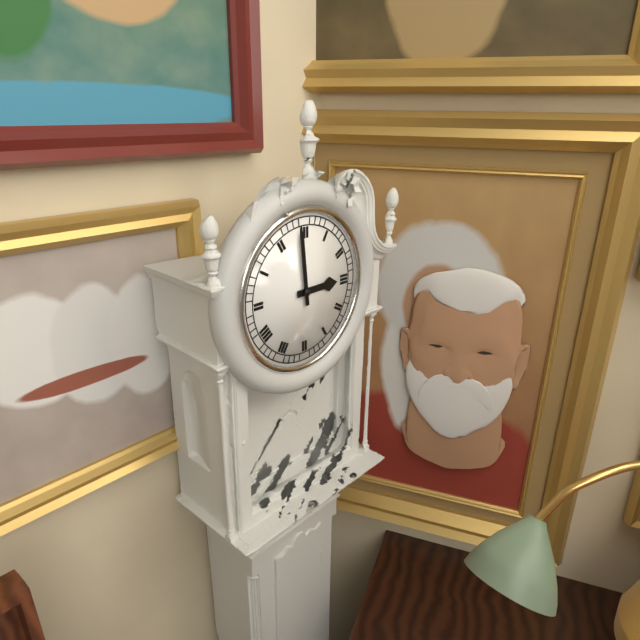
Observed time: **2:59**
